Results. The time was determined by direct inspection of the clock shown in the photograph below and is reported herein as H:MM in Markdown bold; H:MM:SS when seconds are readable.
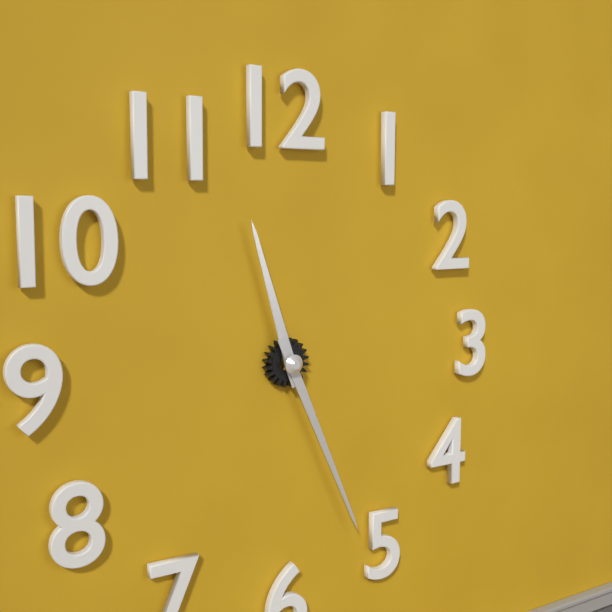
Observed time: **11:26**
